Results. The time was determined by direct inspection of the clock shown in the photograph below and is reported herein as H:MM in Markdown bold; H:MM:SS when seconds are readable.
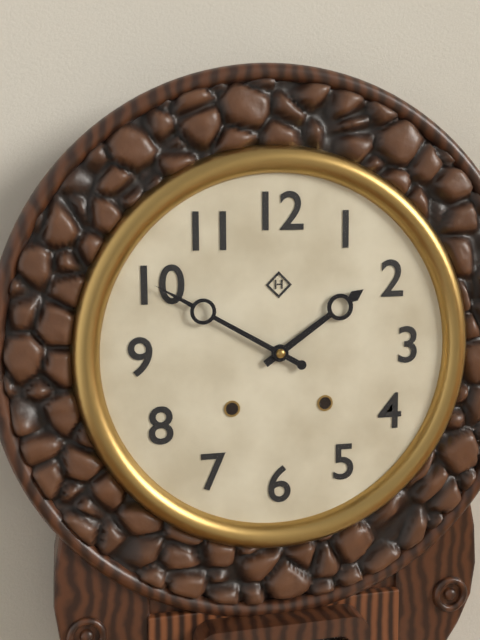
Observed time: **1:50**
